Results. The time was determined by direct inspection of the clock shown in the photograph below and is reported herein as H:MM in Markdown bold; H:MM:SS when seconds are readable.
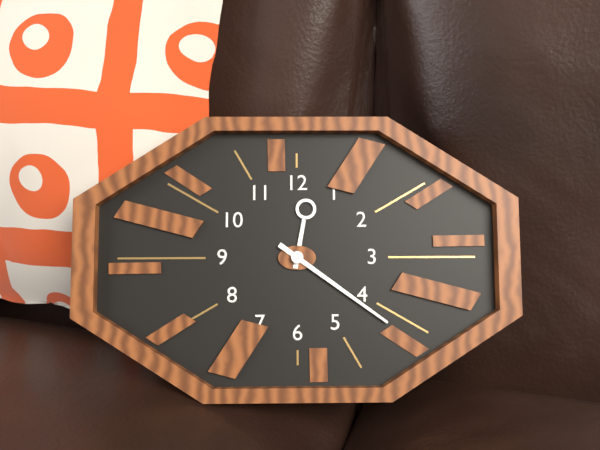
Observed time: **12:21**
